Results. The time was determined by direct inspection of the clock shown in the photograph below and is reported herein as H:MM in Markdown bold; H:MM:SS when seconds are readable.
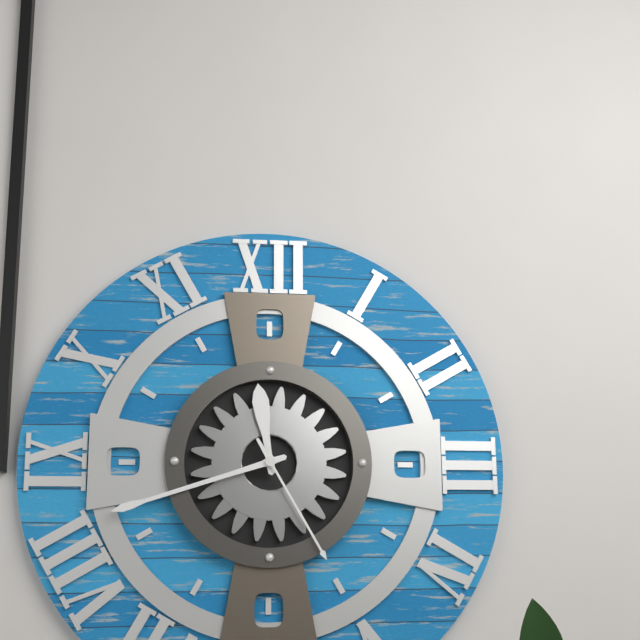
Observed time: **11:42:25**
